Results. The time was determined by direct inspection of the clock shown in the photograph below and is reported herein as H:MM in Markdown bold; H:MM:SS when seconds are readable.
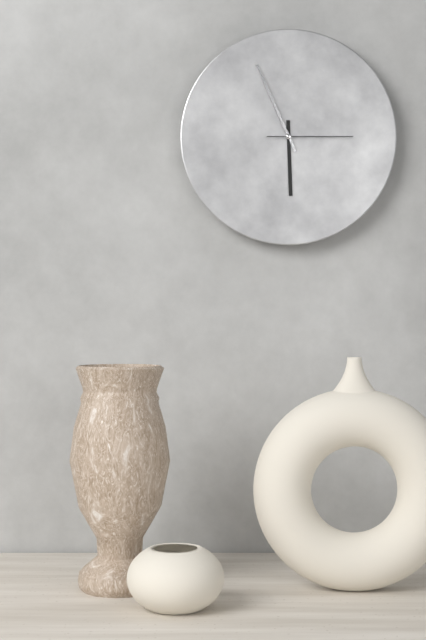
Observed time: **5:56:15**
